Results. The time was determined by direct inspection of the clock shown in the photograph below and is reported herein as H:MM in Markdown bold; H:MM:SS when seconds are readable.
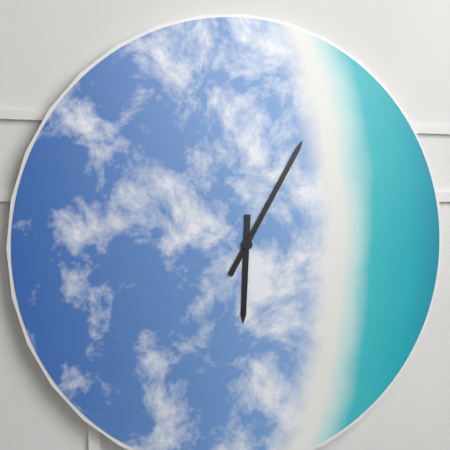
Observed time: **6:05**
